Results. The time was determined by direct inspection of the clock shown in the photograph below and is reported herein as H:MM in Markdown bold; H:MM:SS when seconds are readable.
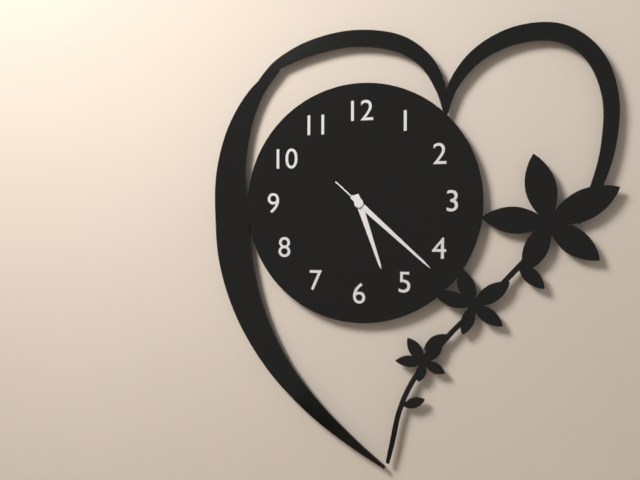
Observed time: **5:22:22**
